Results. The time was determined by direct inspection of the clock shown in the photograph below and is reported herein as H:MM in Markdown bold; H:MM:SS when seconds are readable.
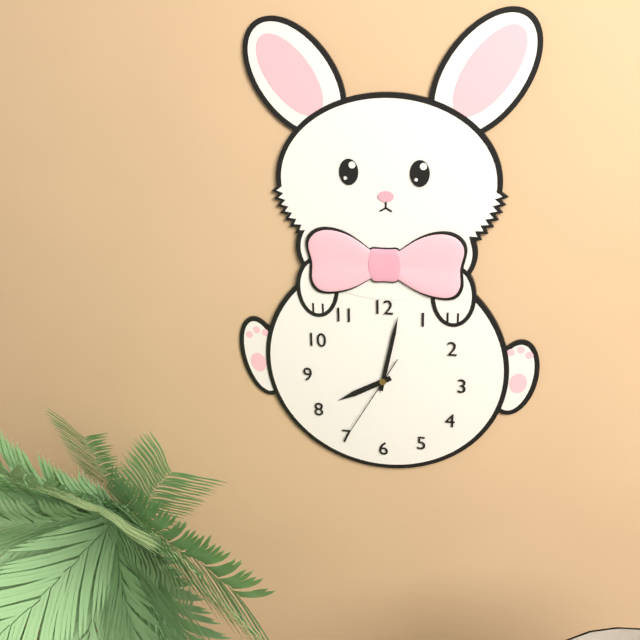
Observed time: **8:02:35**
